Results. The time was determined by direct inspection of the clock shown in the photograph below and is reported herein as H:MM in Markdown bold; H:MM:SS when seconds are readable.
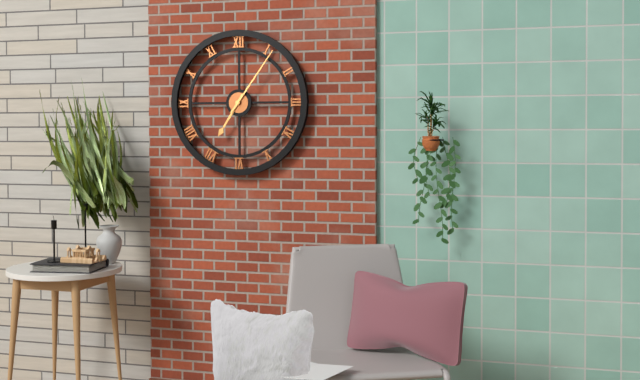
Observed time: **7:06**
